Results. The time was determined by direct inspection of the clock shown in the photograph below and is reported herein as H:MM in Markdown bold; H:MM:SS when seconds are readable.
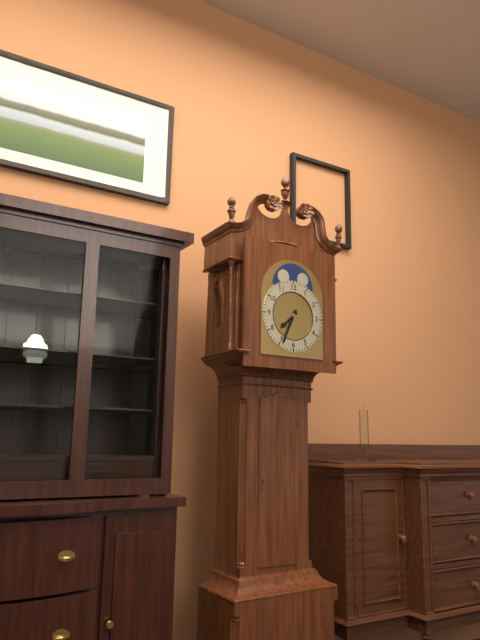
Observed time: **7:34**
